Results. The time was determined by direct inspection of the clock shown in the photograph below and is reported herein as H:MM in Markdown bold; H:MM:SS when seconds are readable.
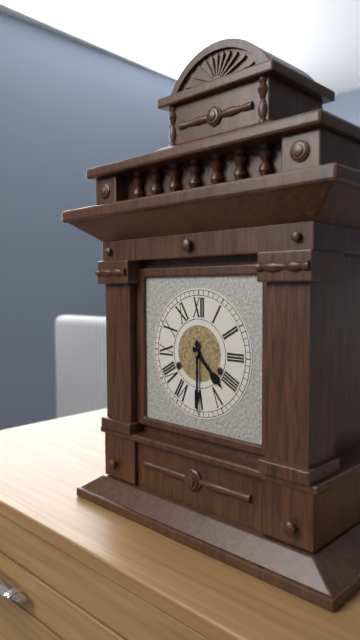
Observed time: **4:30**
